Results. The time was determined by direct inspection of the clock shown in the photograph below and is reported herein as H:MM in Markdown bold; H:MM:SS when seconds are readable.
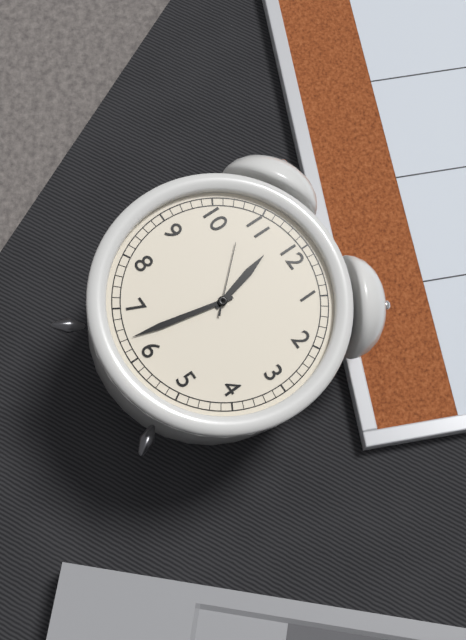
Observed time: **11:32:53**
